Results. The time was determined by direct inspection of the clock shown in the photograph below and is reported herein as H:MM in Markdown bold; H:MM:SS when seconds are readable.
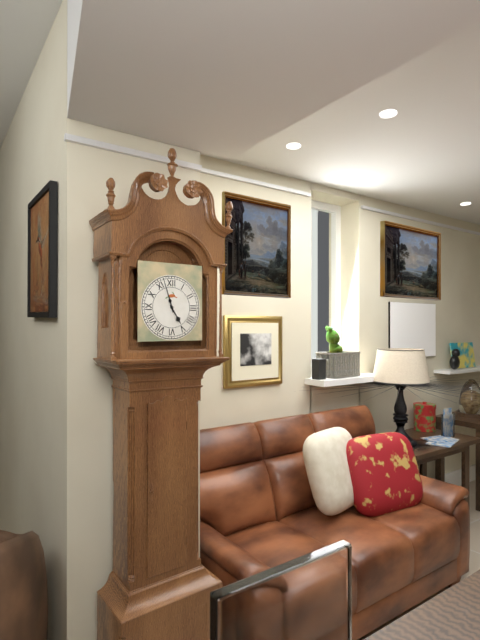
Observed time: **4:57**
